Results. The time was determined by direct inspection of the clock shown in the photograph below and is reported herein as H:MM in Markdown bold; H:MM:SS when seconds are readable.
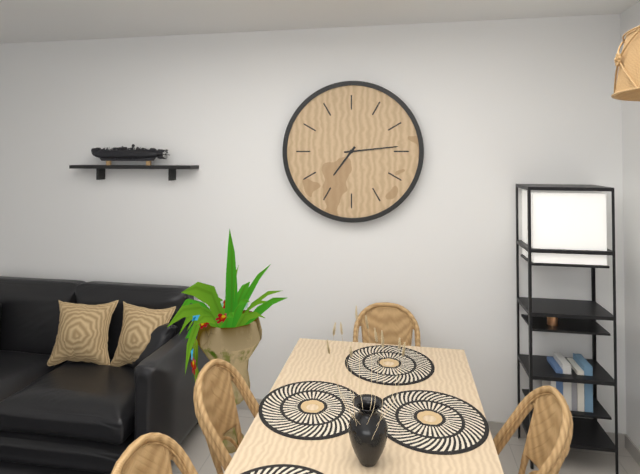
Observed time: **7:14**
